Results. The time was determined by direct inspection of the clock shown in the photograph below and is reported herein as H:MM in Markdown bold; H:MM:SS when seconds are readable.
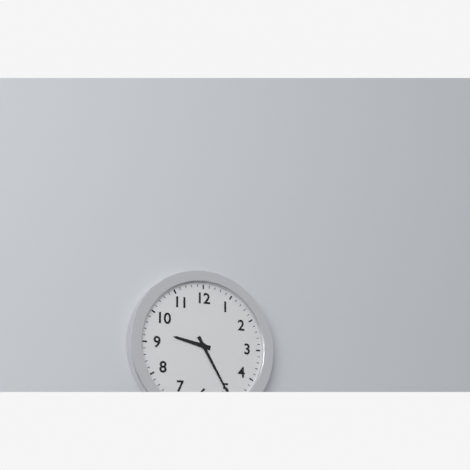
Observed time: **9:25**
